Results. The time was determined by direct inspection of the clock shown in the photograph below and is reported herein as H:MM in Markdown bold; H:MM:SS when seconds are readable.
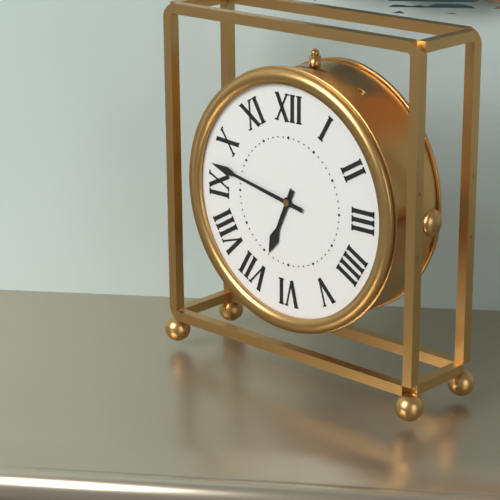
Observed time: **6:47**
